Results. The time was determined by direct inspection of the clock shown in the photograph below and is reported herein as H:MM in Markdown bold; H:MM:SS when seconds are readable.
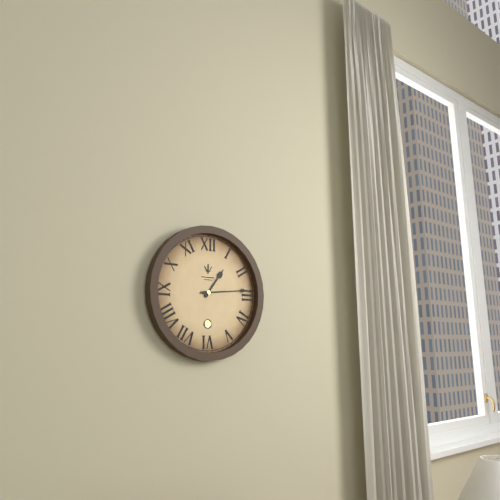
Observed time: **1:14**
